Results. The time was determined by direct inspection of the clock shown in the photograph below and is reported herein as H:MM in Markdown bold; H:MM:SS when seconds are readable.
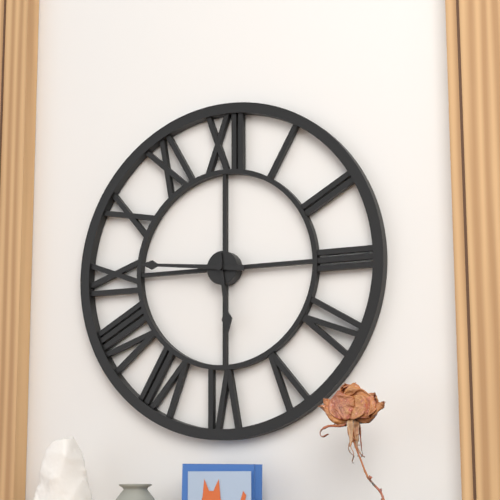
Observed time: **5:46**
